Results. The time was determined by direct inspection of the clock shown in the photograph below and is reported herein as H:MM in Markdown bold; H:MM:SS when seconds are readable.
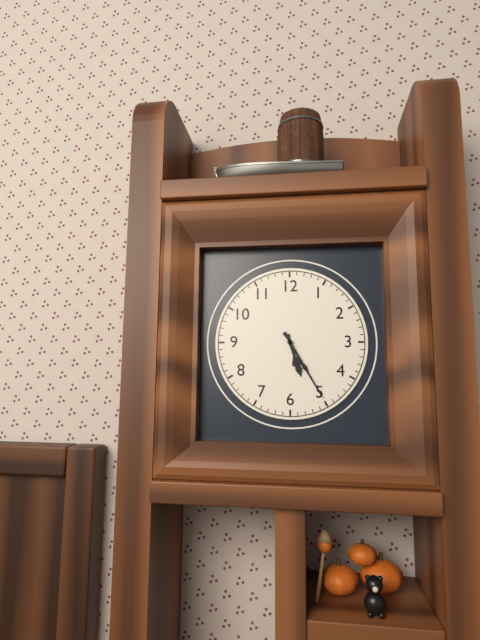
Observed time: **5:25**
